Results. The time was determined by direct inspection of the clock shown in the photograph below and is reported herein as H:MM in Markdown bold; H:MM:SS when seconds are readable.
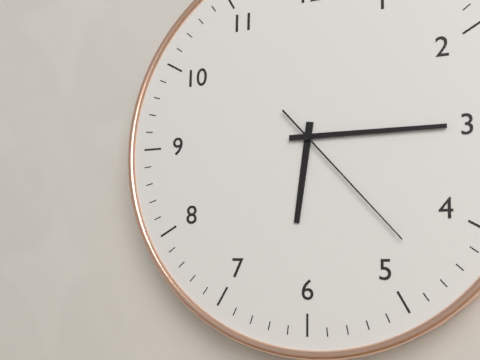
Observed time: **6:15:23**
